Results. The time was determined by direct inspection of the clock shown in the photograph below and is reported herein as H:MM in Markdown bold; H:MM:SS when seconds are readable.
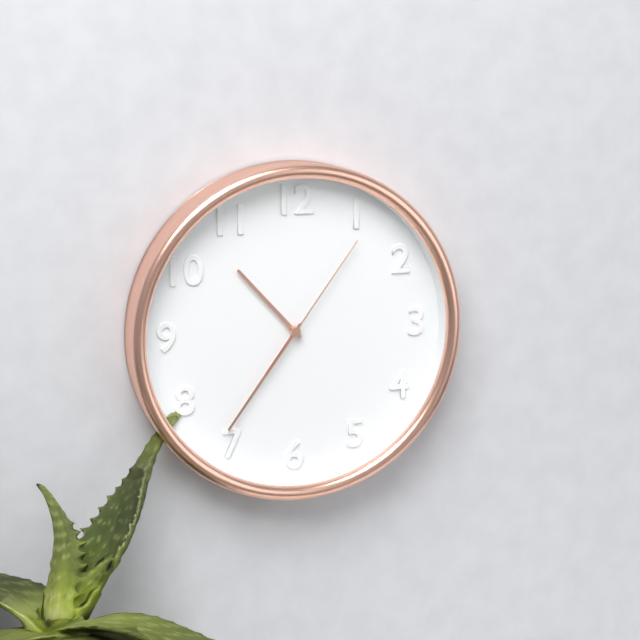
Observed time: **10:36:06**
